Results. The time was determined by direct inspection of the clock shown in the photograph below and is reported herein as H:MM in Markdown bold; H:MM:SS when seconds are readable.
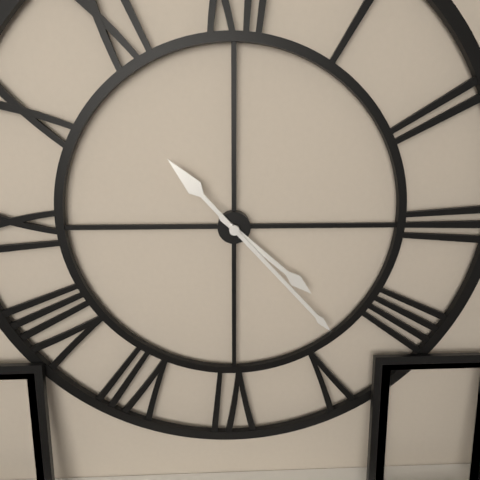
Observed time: **4:23**
